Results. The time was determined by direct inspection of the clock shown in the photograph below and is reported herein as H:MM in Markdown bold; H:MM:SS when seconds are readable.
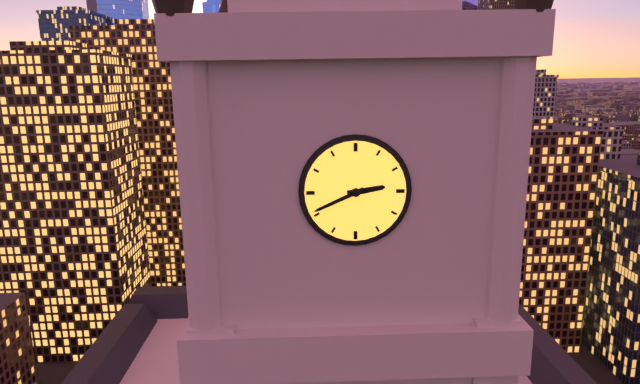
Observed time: **2:41**
